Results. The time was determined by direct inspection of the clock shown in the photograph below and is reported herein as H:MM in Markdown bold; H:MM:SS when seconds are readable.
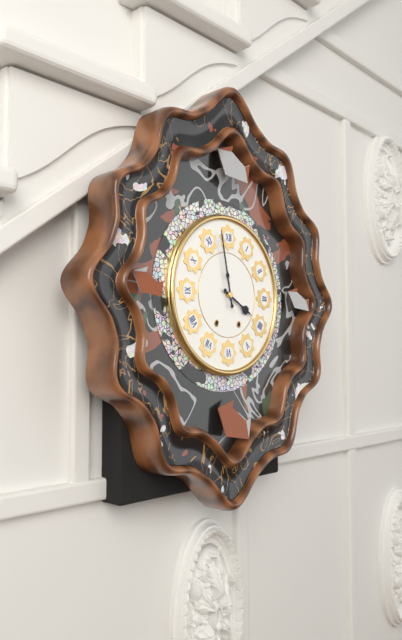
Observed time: **3:58**
